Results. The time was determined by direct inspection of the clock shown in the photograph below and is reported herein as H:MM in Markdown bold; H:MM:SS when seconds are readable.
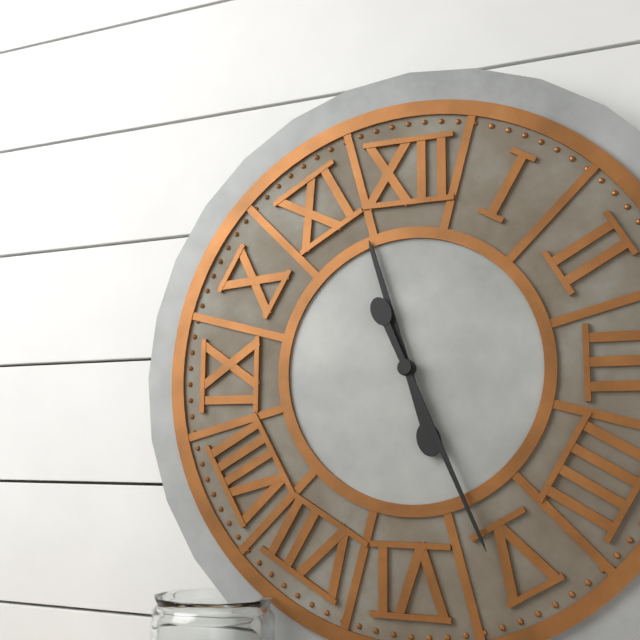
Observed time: **11:26**
